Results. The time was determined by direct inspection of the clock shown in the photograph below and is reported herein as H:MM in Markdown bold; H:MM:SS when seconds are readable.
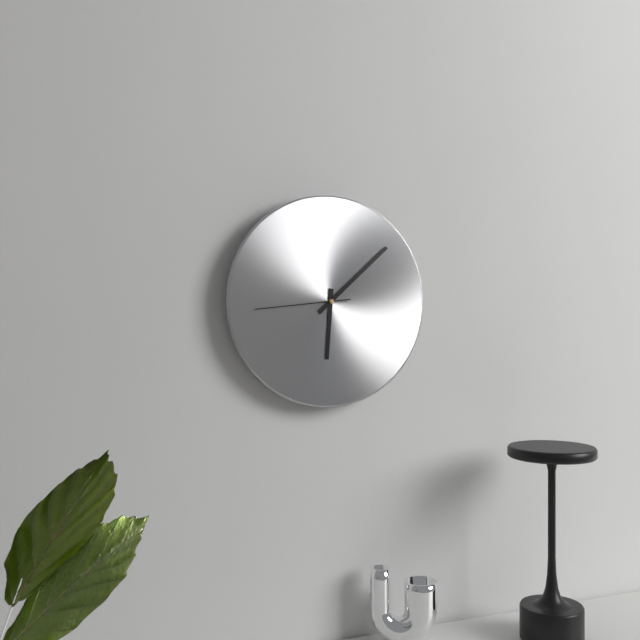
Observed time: **6:08:44**
